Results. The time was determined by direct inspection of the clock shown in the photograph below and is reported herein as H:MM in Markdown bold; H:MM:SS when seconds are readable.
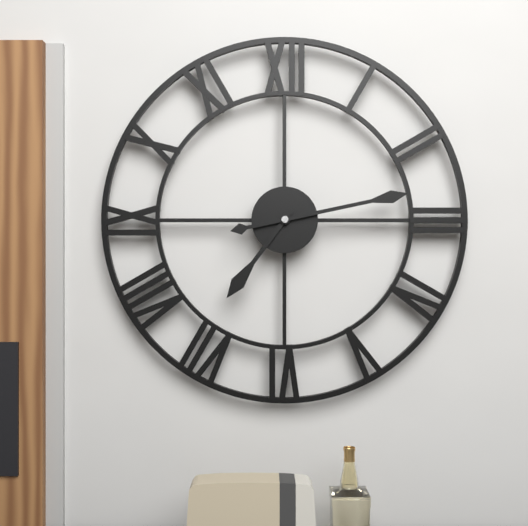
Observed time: **7:13**
